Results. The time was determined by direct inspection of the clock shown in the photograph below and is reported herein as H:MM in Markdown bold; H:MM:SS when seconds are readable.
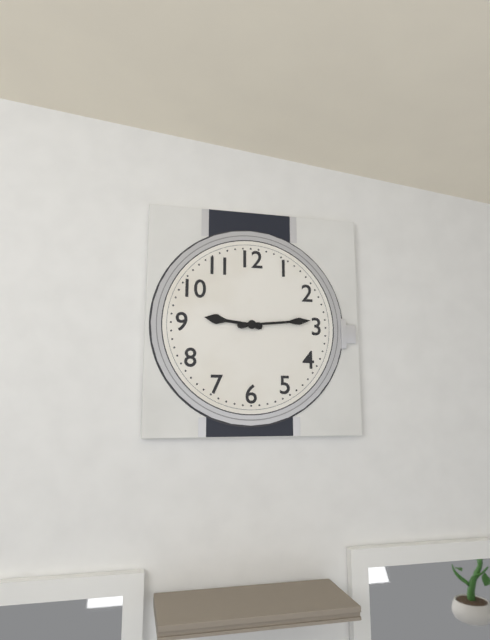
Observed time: **9:14**
